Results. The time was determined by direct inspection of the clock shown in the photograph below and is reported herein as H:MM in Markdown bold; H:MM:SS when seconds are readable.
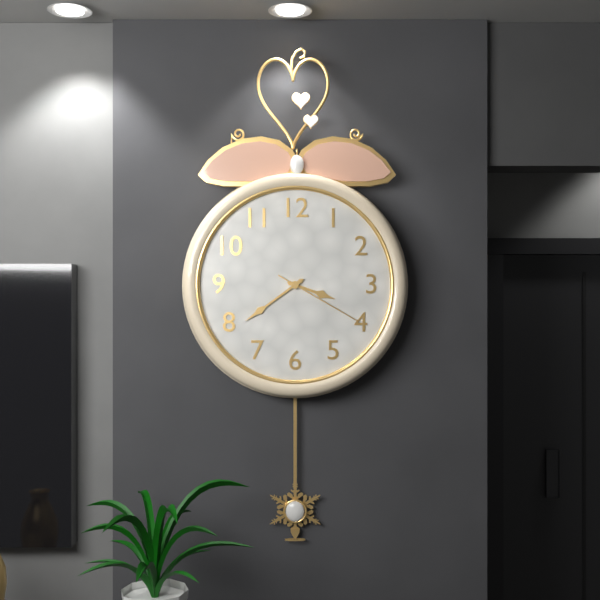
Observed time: **3:39:20**
